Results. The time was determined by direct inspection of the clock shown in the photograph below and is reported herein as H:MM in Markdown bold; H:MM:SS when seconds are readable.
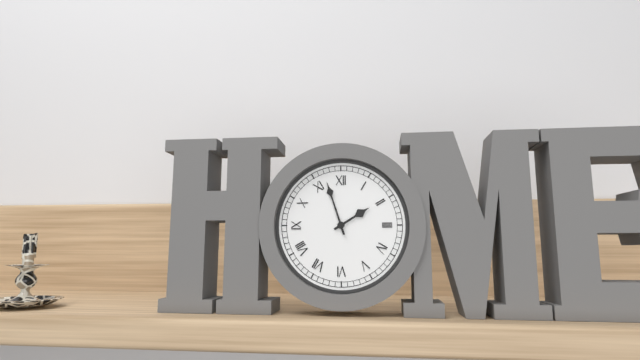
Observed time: **1:57**
